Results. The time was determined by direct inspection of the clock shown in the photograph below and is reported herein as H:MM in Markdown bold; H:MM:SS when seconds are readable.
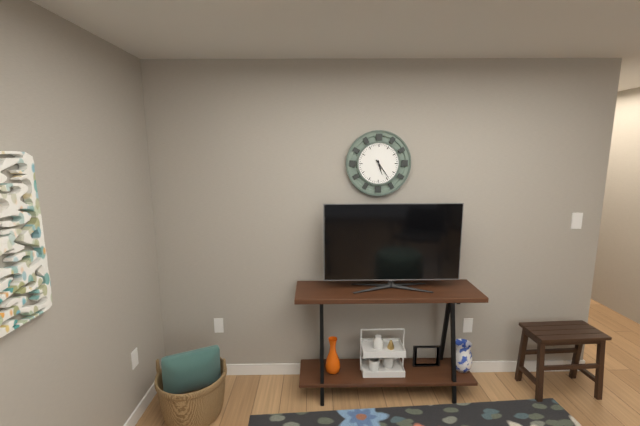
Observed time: **5:24**
